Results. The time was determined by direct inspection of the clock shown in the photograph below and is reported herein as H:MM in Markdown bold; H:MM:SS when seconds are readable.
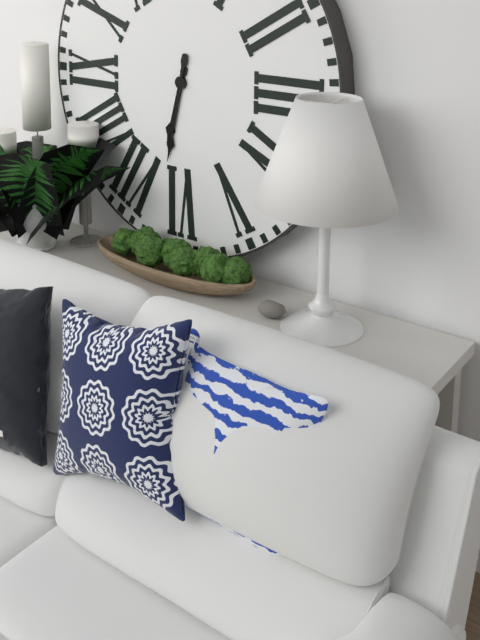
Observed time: **6:32**
